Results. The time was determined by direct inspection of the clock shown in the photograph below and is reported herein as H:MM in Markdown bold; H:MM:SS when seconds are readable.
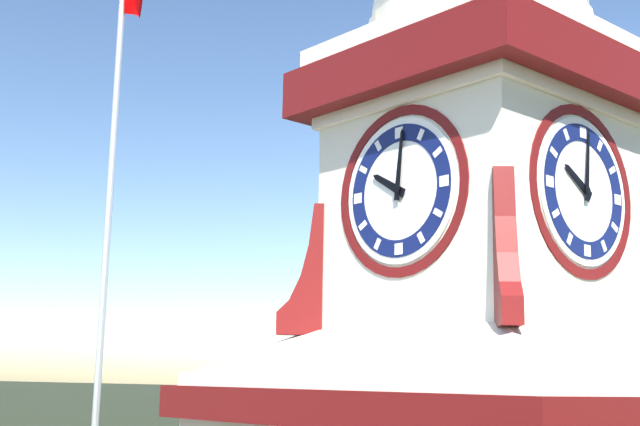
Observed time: **10:01**
